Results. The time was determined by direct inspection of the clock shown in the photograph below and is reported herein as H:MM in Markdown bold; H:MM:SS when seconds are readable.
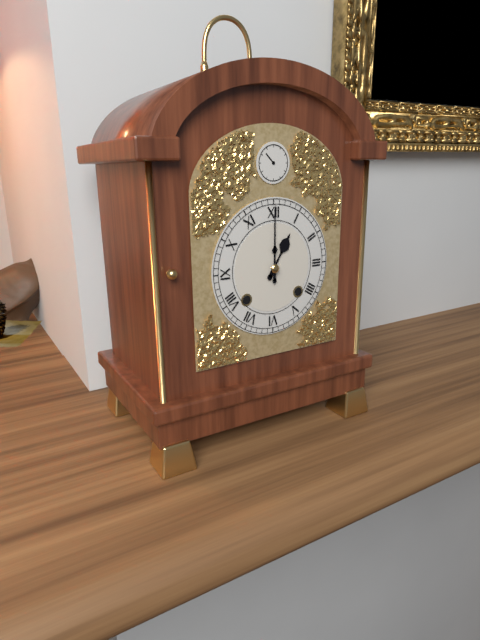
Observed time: **1:00**
